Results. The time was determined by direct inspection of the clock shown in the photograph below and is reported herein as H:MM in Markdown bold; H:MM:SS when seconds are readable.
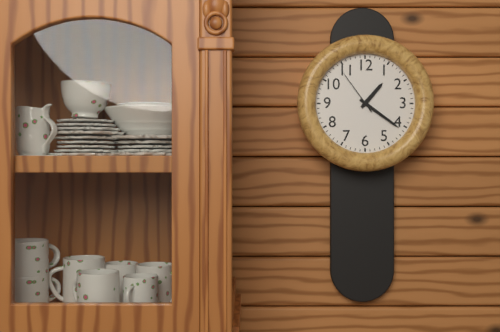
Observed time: **1:21**
